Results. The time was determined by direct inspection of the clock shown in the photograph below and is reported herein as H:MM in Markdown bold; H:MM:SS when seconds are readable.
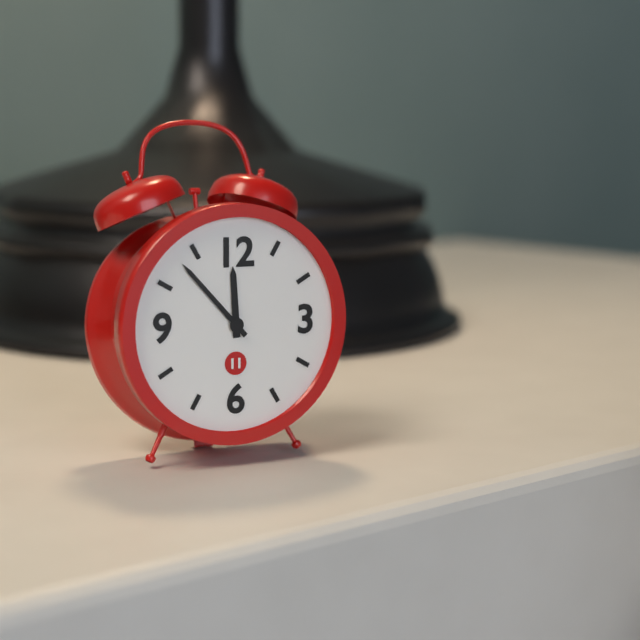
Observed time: **11:53**
